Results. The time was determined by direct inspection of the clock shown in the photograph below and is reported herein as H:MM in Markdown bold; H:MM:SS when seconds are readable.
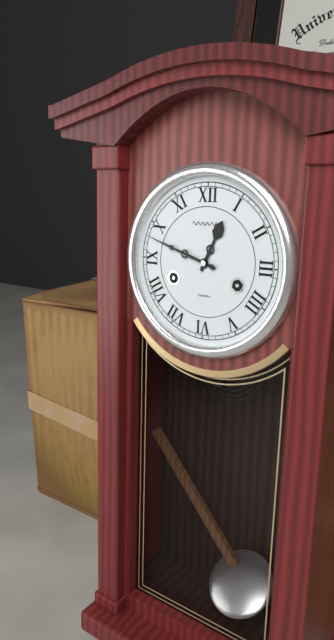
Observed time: **12:48**
